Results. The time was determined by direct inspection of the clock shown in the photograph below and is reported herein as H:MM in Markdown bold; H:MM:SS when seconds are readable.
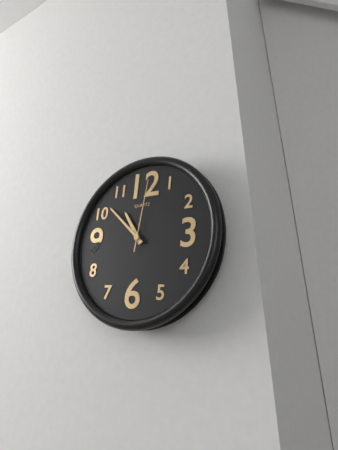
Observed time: **10:52:01**
